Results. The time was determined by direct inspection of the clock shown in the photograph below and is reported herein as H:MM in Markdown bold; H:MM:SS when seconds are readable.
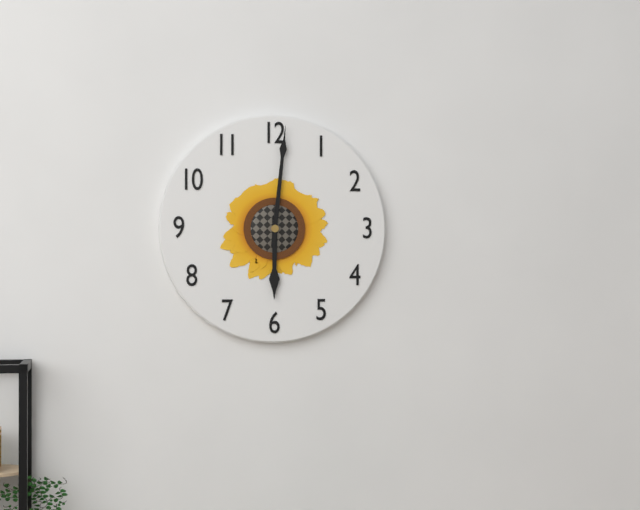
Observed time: **6:01**
